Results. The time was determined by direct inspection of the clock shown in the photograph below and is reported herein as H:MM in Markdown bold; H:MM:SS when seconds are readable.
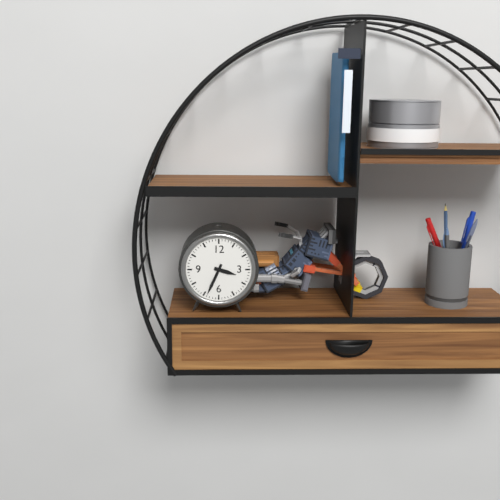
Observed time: **3:34**
